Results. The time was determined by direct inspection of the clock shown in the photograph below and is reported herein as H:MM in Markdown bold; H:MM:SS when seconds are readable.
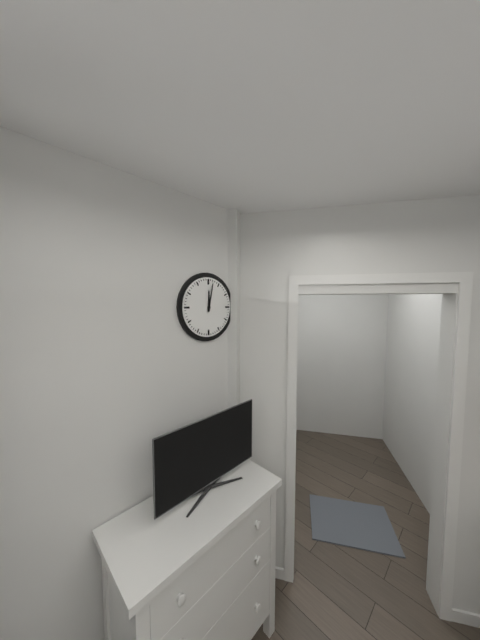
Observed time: **12:02**
